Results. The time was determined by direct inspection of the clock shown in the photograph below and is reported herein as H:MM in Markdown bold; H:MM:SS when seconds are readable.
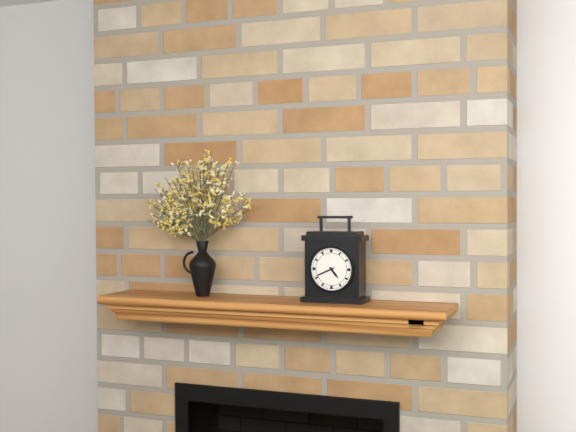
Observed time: **4:41**
